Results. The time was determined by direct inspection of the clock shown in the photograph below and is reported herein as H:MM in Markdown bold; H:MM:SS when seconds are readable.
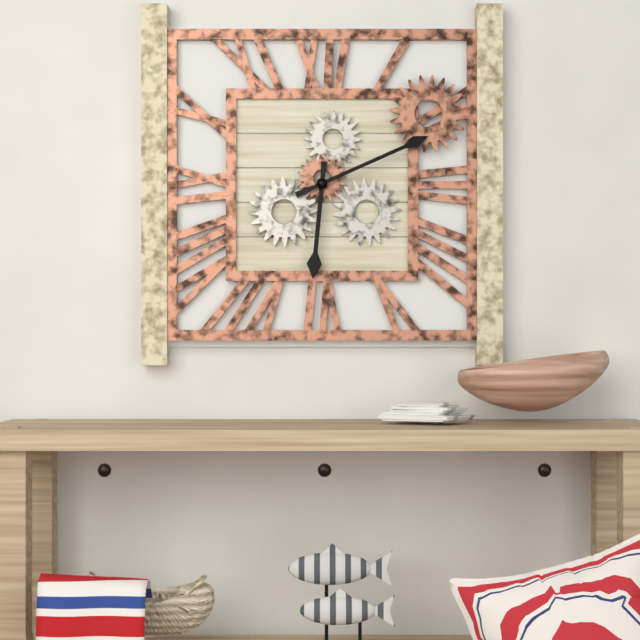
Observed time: **6:11**
